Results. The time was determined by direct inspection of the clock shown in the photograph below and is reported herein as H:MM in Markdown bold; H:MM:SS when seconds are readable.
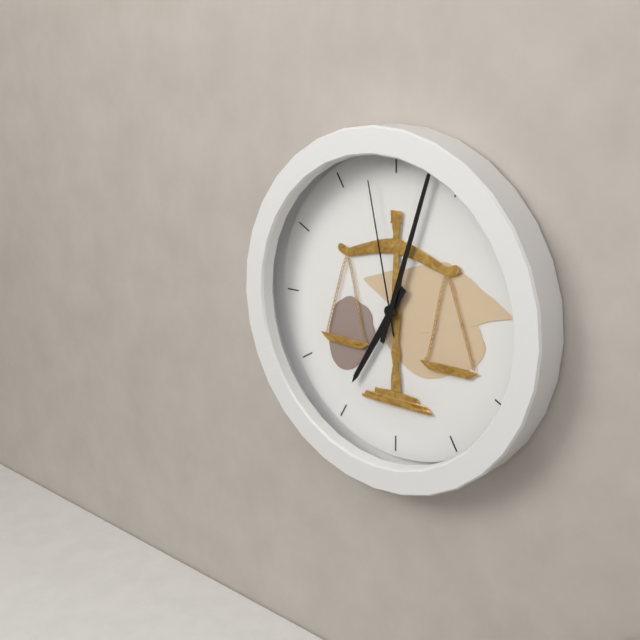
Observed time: **7:03:58**
